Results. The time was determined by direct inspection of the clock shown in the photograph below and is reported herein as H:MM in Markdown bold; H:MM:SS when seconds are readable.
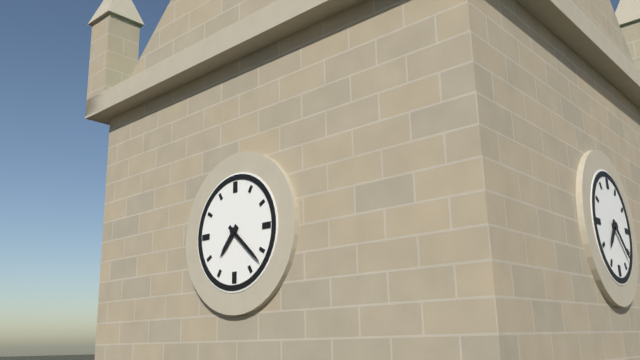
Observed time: **7:22**
